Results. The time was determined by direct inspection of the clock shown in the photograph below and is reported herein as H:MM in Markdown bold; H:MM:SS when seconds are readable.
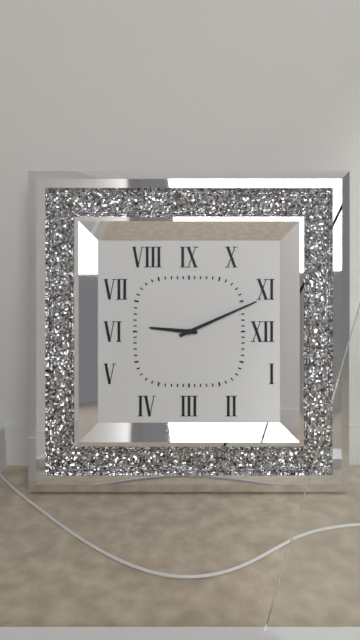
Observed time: **9:11**
